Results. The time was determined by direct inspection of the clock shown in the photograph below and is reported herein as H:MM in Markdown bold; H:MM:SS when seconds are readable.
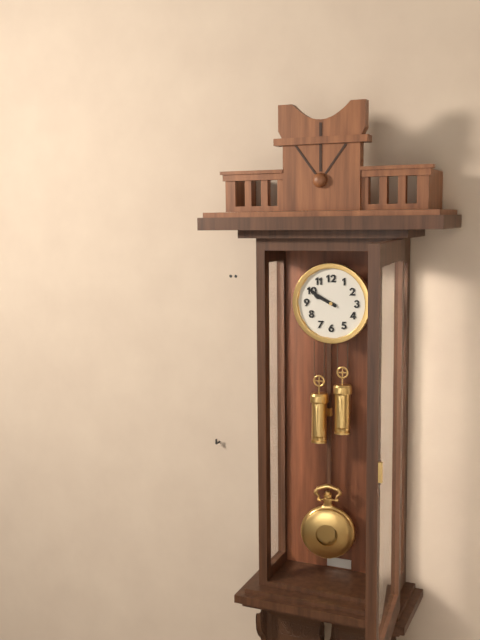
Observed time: **9:50**
